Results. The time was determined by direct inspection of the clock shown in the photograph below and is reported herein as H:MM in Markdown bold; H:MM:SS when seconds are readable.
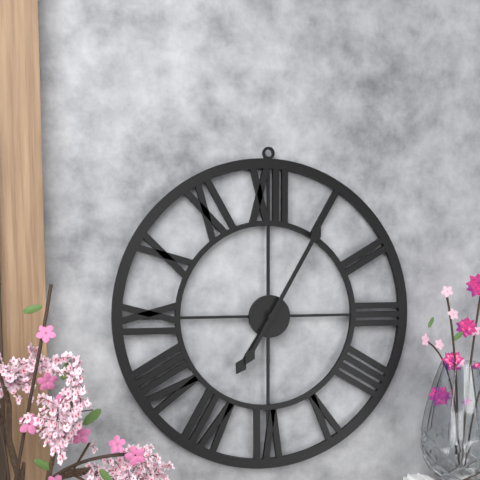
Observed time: **7:05**
